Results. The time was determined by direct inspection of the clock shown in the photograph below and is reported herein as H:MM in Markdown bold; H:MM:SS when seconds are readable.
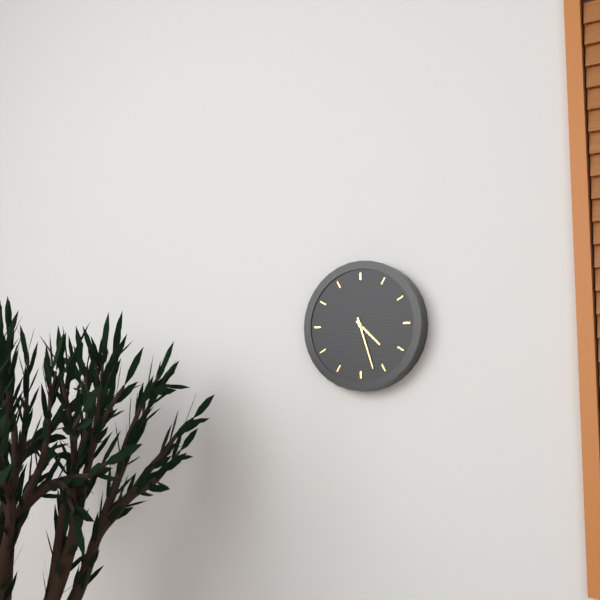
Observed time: **4:27**
